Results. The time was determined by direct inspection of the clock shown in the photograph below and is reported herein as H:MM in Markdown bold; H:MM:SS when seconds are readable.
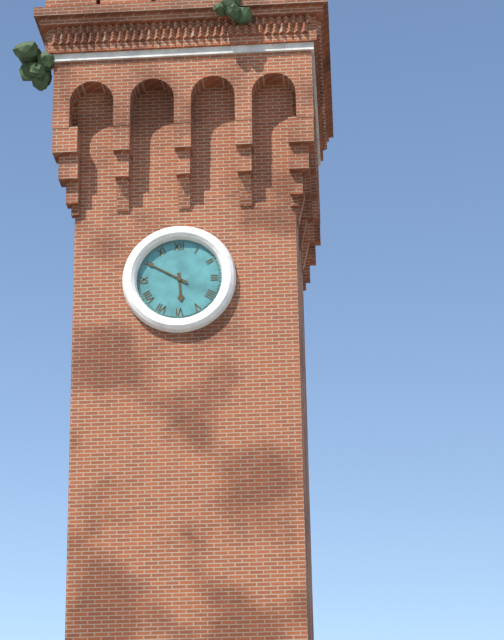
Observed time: **5:50**
